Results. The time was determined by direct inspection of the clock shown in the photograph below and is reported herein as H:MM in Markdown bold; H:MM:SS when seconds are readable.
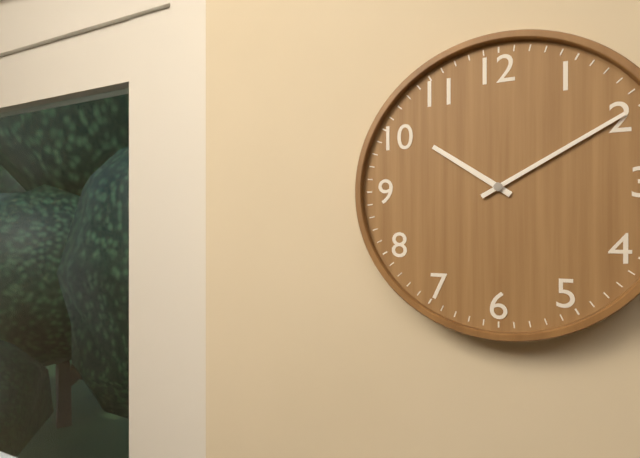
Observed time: **10:10**
